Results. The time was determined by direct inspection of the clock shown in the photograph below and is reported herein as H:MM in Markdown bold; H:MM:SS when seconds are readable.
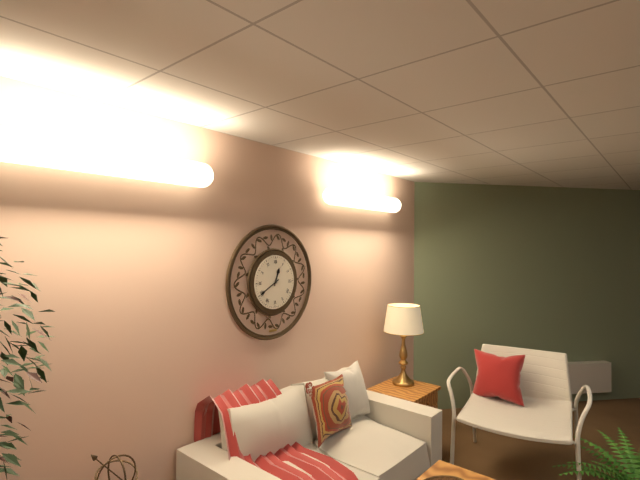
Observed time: **12:40**
